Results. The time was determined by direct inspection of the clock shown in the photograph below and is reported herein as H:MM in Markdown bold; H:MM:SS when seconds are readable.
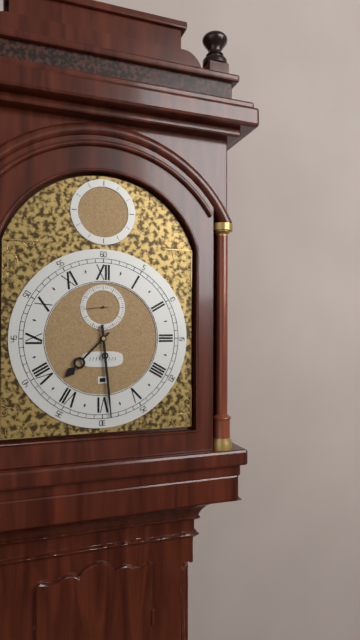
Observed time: **7:29**
